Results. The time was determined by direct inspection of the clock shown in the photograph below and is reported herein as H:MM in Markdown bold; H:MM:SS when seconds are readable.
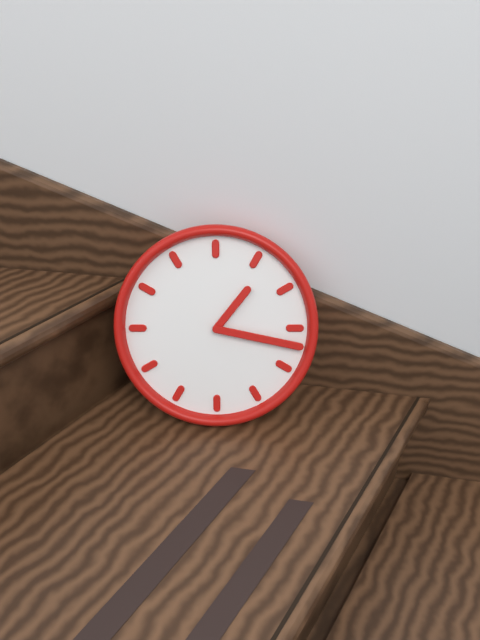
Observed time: **1:17**
